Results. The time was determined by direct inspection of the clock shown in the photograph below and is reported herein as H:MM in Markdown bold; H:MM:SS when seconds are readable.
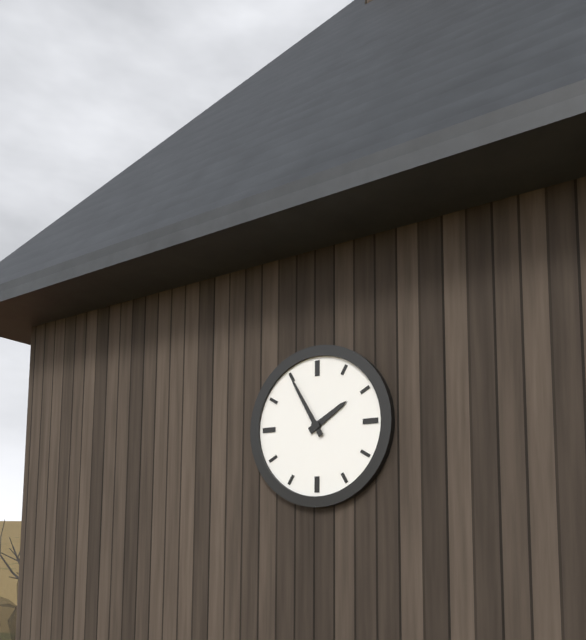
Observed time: **1:55**
